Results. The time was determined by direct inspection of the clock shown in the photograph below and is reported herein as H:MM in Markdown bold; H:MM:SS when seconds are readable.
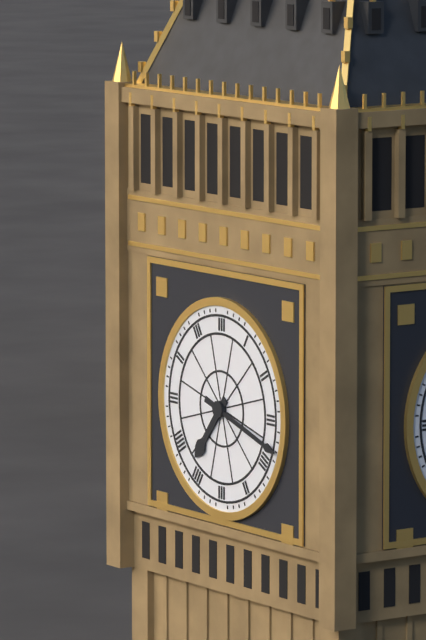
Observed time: **7:18**
